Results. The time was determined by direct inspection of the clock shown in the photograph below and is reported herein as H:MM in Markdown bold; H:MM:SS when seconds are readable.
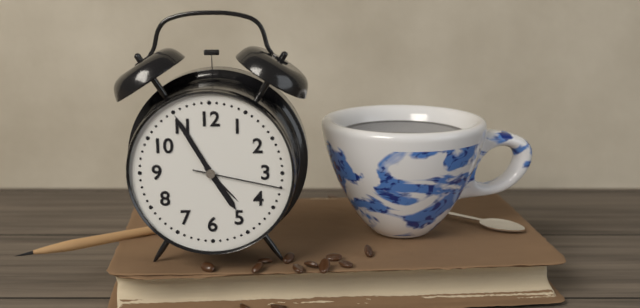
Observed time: **4:55:17**
